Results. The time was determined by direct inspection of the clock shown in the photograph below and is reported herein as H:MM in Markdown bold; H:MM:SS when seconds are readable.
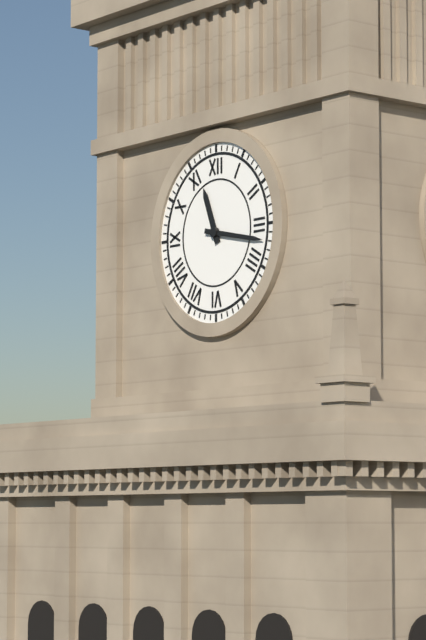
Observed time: **11:17**
